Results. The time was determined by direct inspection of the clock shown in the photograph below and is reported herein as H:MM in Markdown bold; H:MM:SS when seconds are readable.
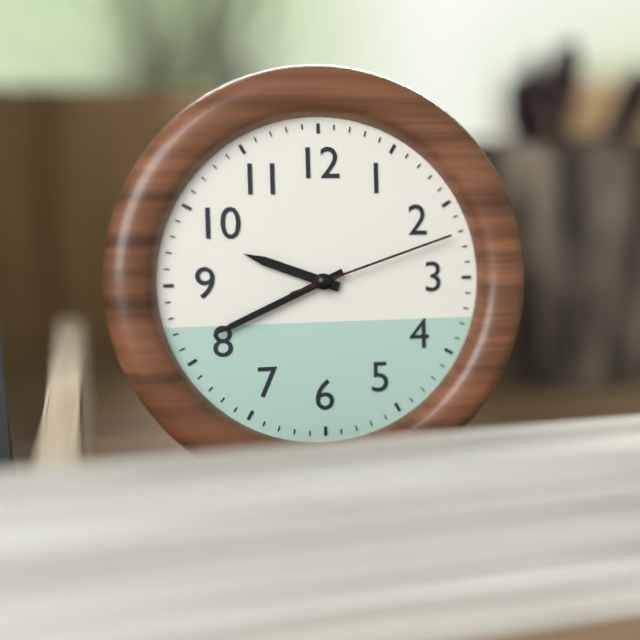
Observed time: **9:41:12**
